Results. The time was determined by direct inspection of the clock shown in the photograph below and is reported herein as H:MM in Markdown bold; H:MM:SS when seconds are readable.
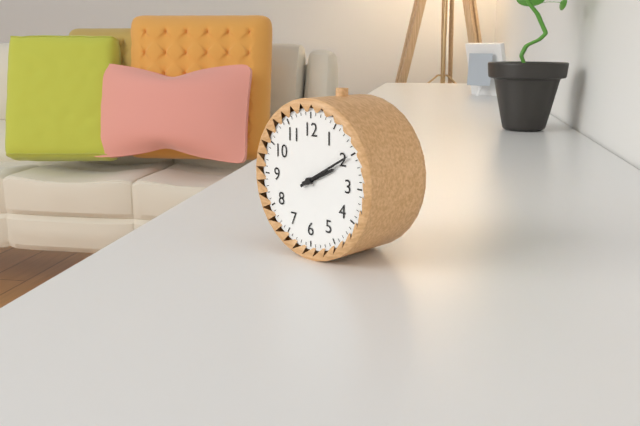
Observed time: **2:10**
